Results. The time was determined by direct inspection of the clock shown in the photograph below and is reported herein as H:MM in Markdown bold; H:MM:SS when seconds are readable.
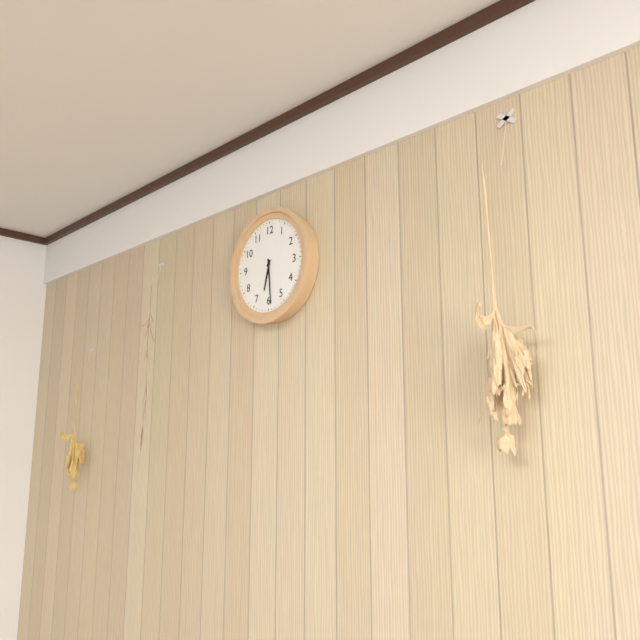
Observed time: **6:29**
